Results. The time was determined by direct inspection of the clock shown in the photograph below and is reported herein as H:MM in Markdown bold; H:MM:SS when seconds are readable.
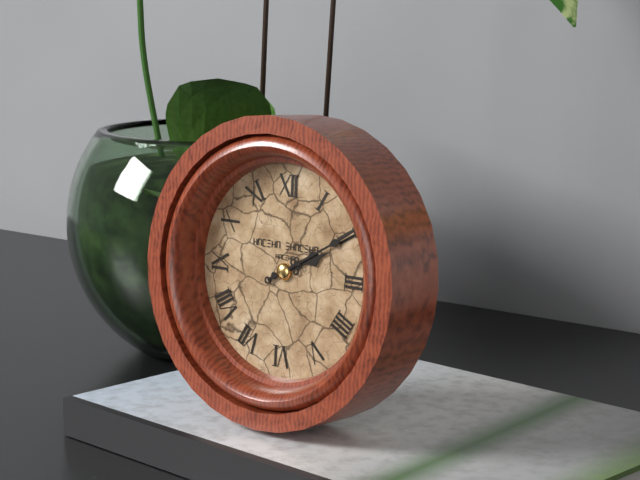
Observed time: **2:10**
